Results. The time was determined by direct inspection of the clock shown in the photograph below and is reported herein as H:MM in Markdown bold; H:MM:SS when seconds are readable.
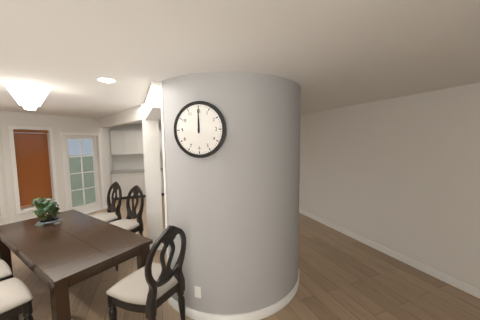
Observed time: **12:00**
